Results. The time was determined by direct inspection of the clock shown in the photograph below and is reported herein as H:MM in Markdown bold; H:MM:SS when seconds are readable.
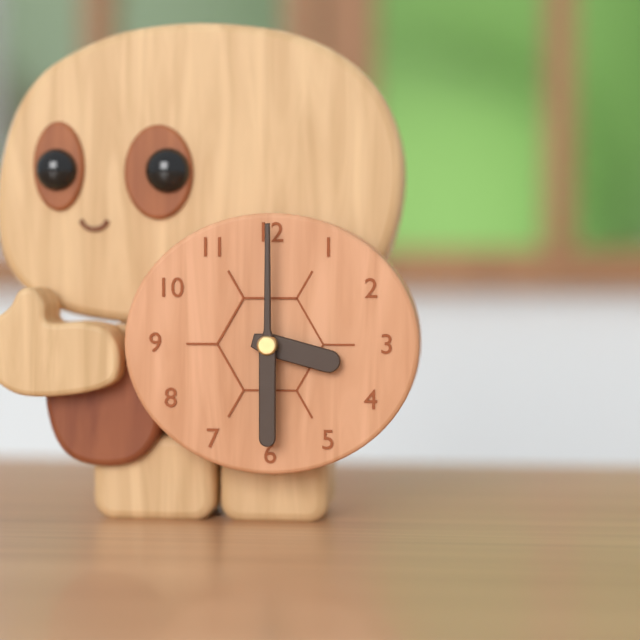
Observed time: **3:30**
